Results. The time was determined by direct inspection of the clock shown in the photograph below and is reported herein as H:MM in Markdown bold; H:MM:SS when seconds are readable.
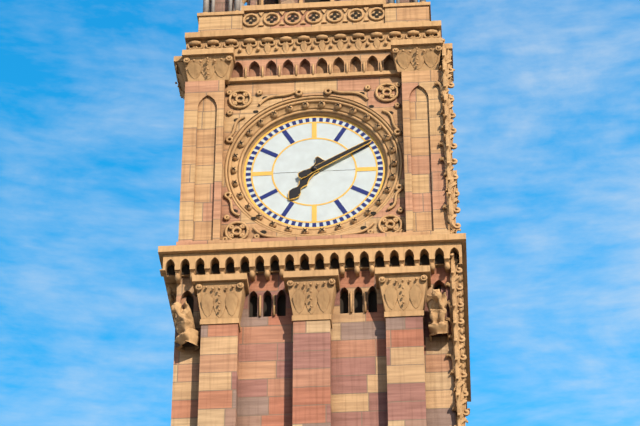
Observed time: **7:10**
